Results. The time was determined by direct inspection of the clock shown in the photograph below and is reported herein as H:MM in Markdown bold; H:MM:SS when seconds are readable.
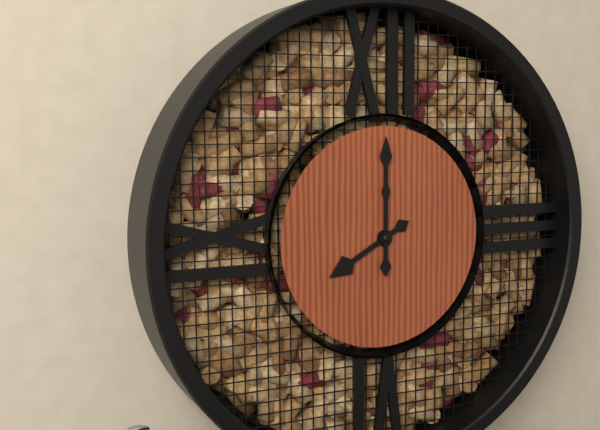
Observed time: **8:00**
